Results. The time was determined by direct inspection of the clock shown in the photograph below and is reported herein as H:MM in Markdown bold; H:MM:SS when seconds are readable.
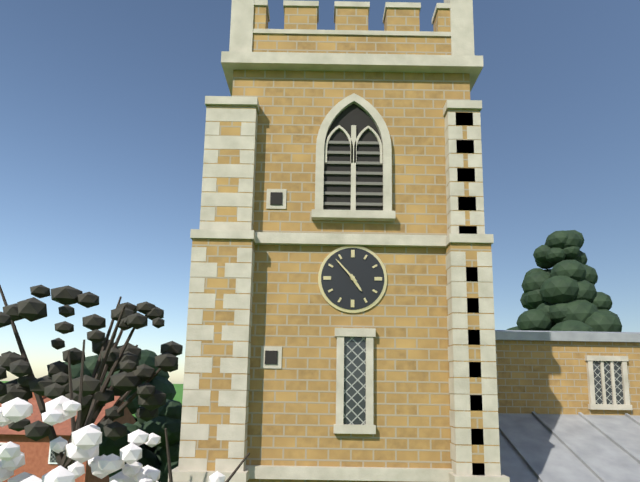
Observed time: **4:53**
